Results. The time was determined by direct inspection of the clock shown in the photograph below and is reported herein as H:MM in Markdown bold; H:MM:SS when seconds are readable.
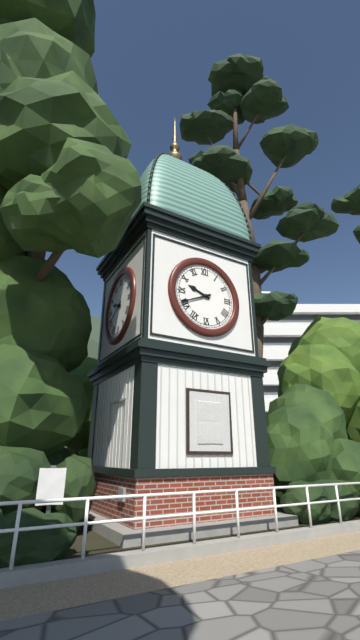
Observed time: **9:41**
